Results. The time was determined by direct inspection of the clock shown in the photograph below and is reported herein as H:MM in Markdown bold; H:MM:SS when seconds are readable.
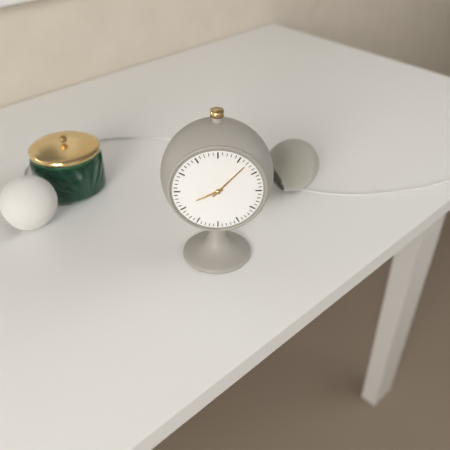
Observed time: **8:07**
